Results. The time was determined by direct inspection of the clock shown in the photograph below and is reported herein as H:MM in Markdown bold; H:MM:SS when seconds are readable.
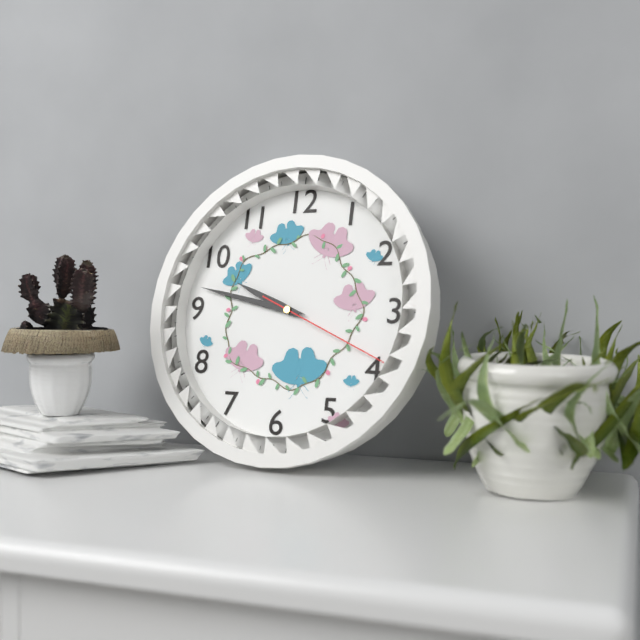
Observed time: **9:47:19**
